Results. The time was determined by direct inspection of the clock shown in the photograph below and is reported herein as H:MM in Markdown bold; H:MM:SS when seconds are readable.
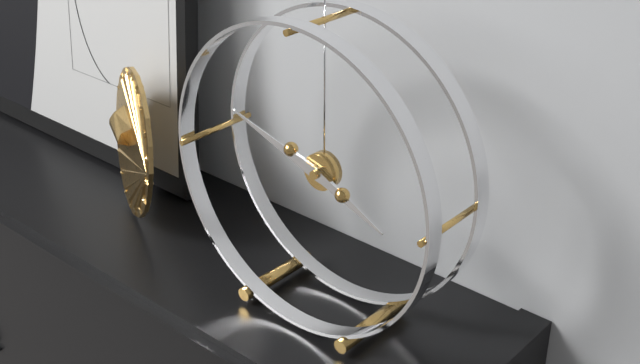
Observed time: **3:48**
